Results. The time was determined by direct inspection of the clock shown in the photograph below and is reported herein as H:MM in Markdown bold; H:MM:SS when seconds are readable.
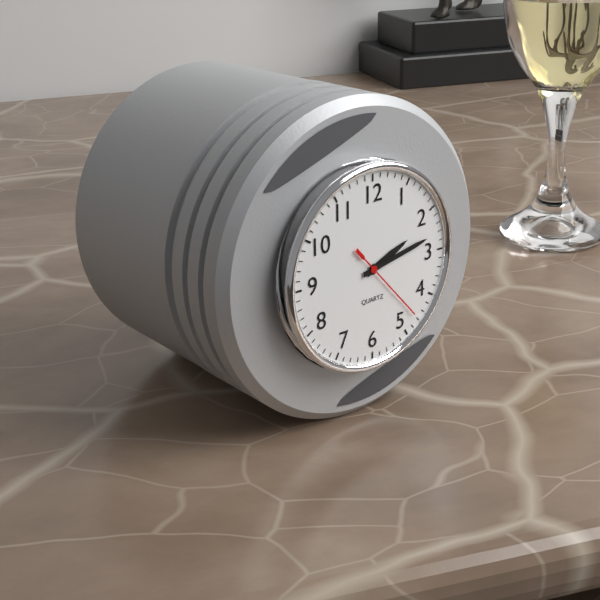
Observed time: **2:13:23**
